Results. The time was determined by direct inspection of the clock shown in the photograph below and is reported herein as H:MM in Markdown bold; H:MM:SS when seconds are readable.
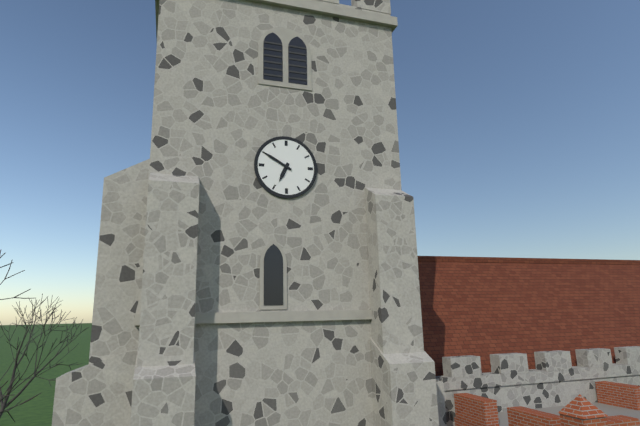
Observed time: **6:50**
